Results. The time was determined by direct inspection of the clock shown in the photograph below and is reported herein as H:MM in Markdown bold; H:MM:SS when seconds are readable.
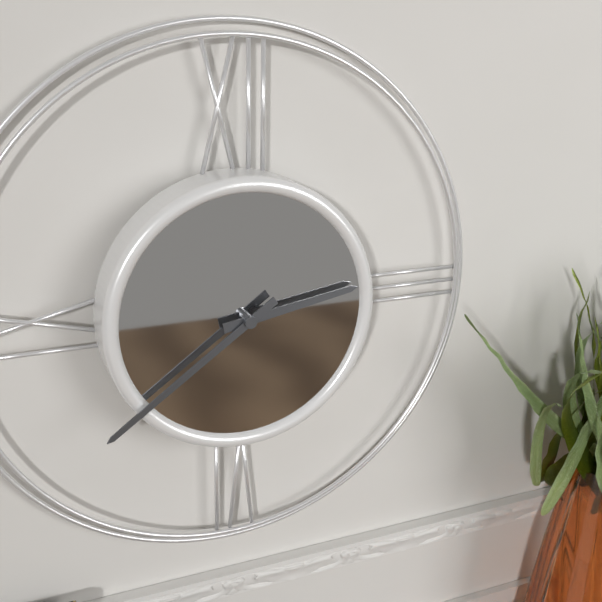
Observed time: **2:39**
